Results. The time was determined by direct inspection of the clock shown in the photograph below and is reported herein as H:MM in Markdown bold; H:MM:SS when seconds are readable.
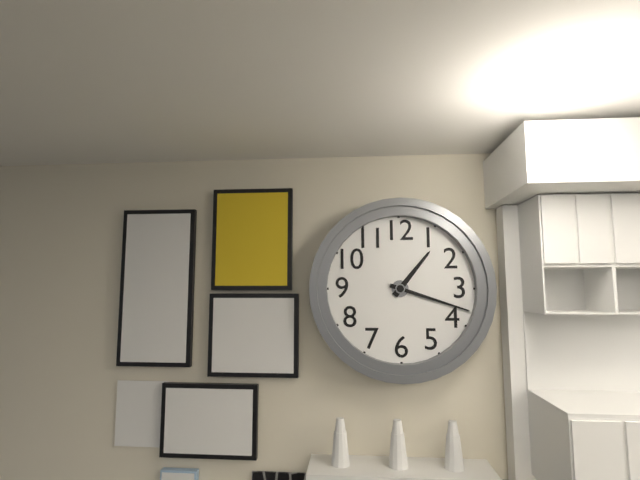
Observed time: **1:18**
